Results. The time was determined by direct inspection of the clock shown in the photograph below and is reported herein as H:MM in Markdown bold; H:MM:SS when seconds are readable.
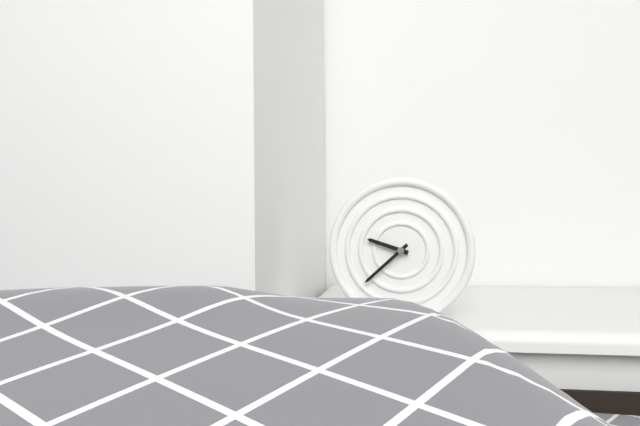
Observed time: **9:38**
